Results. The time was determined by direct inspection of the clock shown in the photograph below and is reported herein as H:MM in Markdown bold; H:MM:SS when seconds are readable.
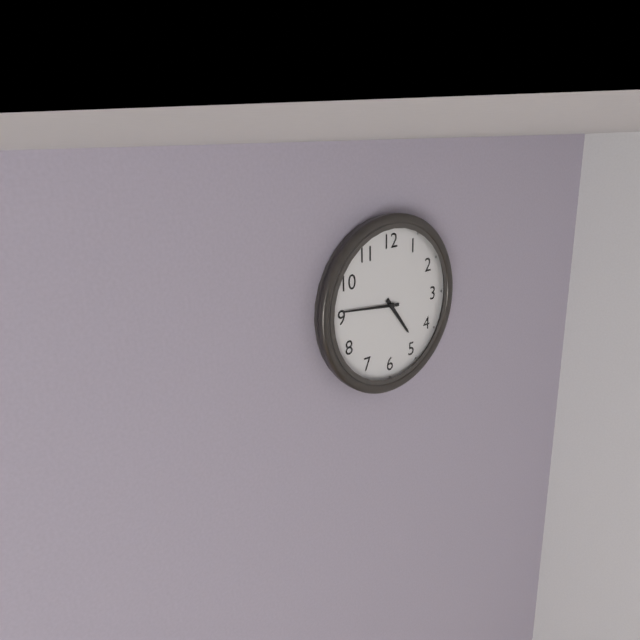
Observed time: **4:46**
